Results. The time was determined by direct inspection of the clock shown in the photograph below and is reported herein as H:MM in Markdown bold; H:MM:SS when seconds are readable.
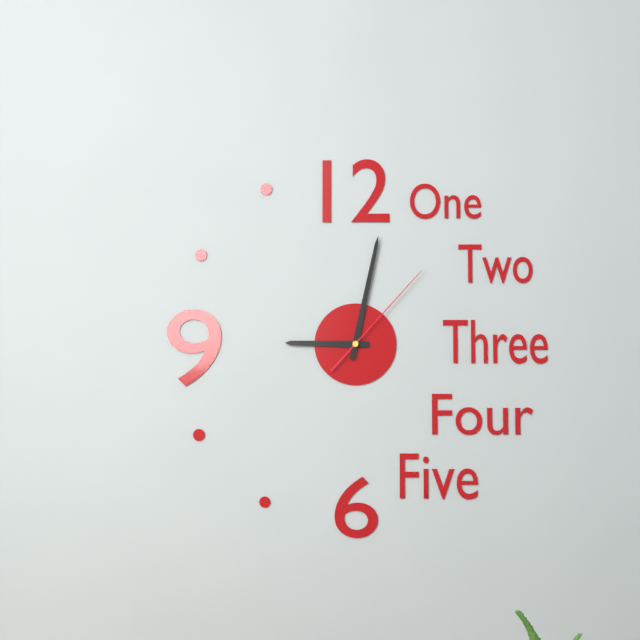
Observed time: **9:02:07**
